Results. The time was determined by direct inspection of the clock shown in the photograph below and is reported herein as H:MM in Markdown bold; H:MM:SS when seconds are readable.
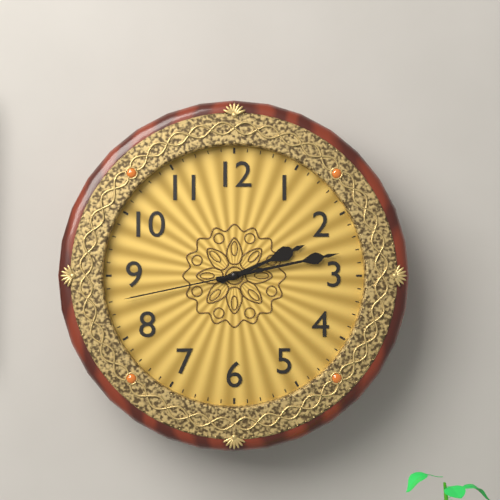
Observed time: **2:13:43**
